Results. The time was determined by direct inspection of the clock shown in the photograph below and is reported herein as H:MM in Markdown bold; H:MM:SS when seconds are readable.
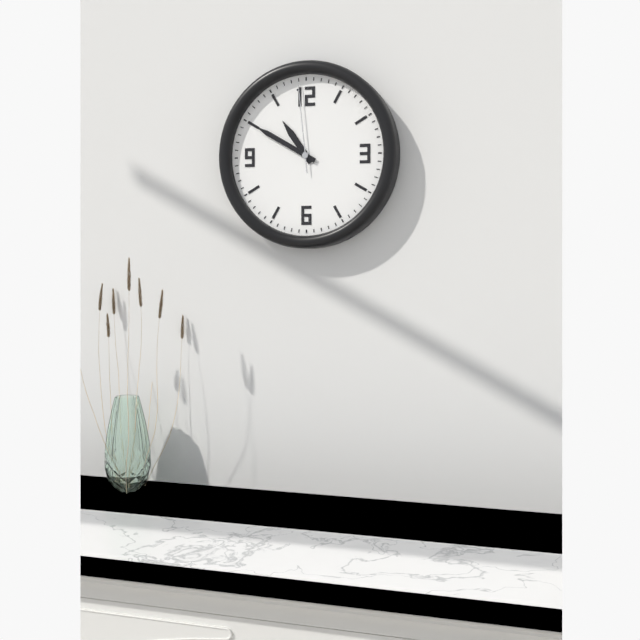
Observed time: **10:50:59**
